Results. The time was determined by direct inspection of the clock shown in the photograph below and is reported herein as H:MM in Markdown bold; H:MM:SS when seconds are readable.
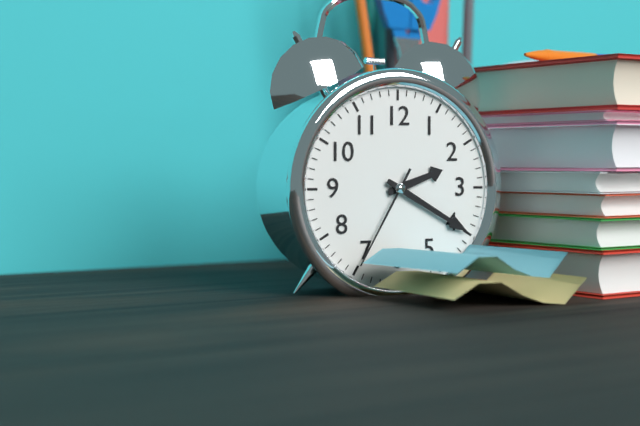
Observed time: **2:20:35**
